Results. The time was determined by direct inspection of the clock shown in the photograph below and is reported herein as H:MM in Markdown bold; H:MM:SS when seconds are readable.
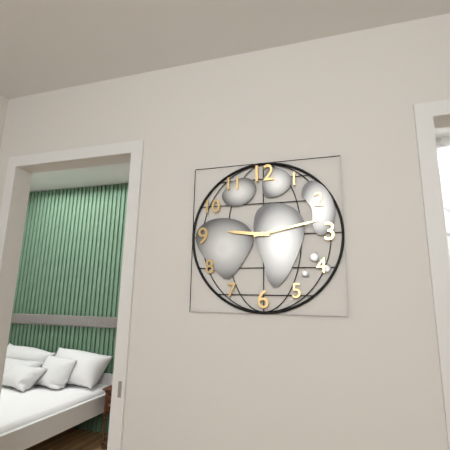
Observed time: **9:13**
